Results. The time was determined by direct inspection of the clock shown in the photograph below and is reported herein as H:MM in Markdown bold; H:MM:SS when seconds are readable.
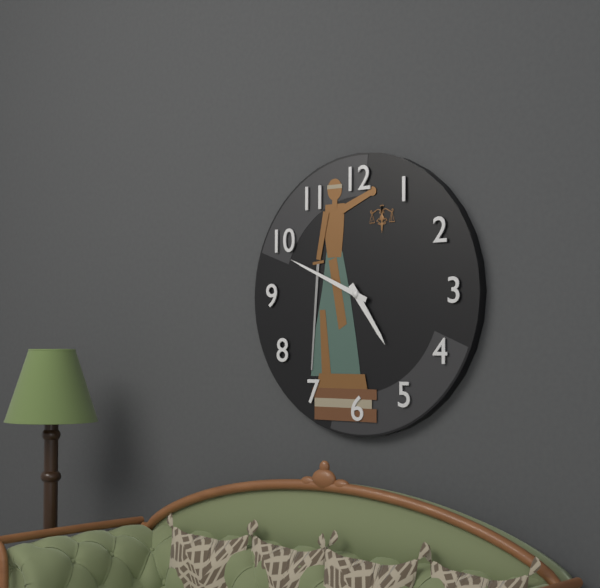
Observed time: **4:49**
